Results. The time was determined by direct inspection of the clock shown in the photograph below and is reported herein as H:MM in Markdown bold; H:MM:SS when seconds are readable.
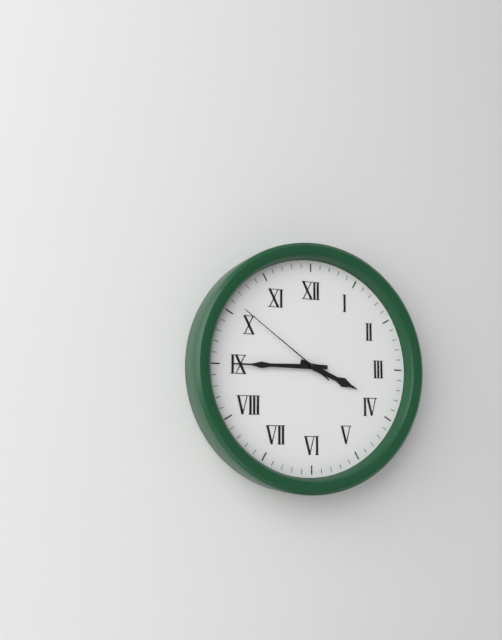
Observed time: **3:45:51**
